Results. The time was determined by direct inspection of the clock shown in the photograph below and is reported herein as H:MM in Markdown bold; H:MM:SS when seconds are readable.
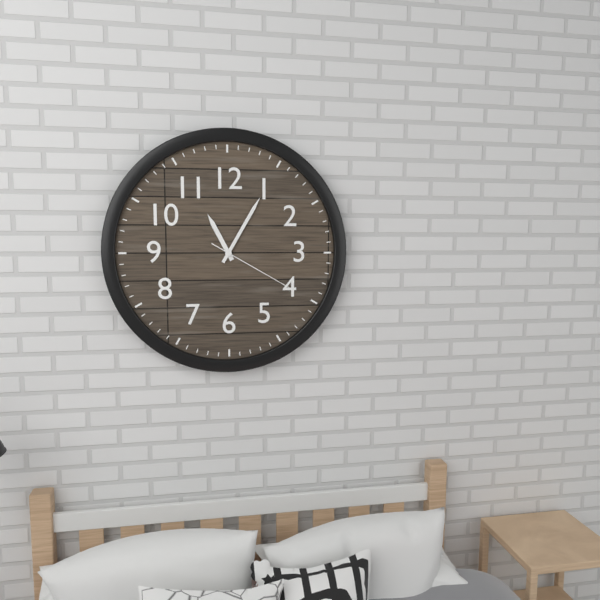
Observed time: **11:05:20**
